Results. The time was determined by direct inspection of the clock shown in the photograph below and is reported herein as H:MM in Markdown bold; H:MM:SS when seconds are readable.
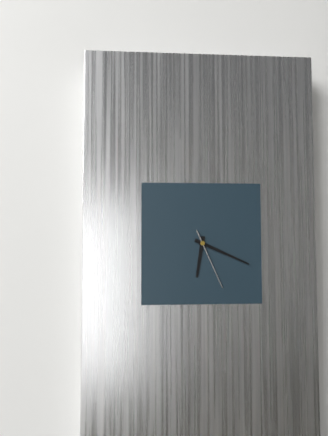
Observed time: **6:19:26**
